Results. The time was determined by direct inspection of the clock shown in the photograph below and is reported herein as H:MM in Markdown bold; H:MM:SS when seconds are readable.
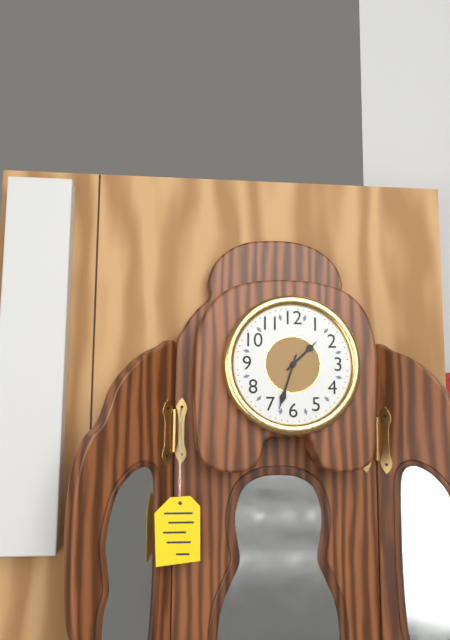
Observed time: **1:33**
